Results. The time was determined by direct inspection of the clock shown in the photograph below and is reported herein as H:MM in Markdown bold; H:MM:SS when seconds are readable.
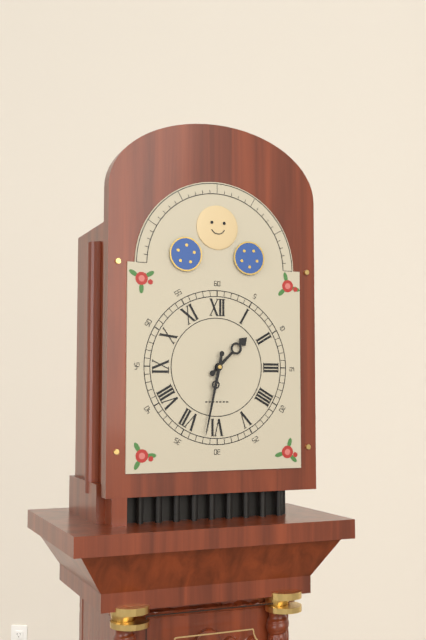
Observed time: **1:32**
